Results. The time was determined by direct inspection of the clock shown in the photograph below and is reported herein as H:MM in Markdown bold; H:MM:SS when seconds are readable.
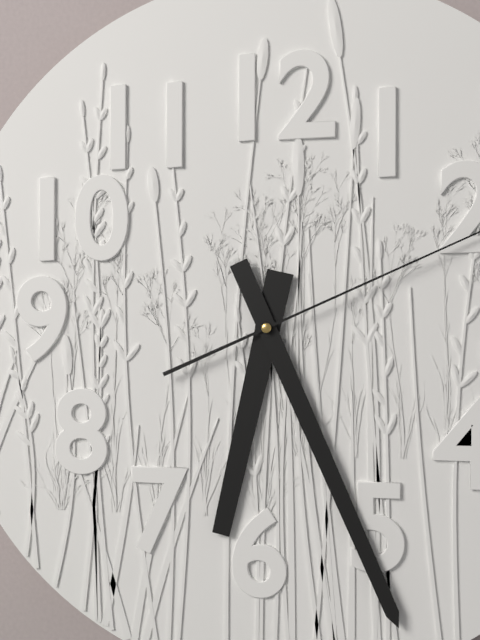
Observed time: **6:26**
